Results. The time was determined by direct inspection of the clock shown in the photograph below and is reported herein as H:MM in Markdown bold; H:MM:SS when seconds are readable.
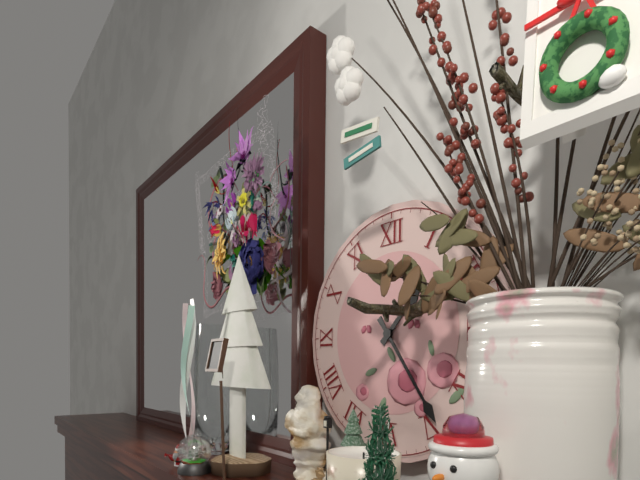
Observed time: **1:24**
